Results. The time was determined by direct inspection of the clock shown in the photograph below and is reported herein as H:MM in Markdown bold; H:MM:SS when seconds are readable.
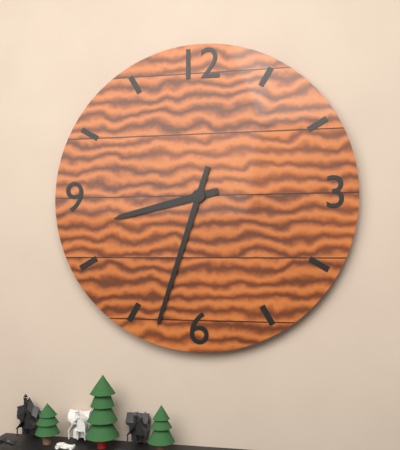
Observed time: **8:33**
